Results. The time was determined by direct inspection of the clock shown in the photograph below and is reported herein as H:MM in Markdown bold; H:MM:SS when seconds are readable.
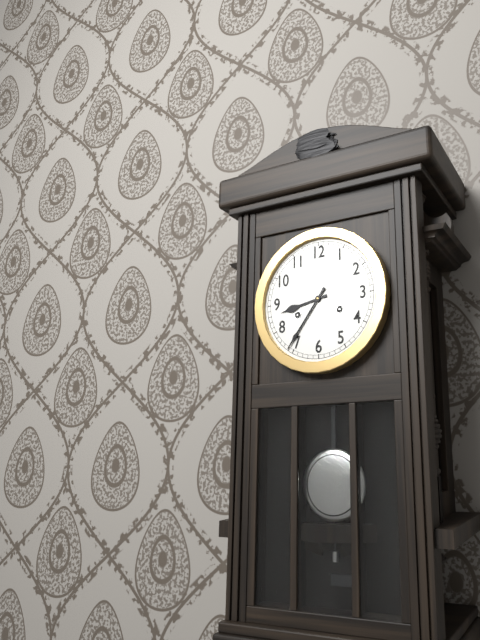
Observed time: **8:36**
